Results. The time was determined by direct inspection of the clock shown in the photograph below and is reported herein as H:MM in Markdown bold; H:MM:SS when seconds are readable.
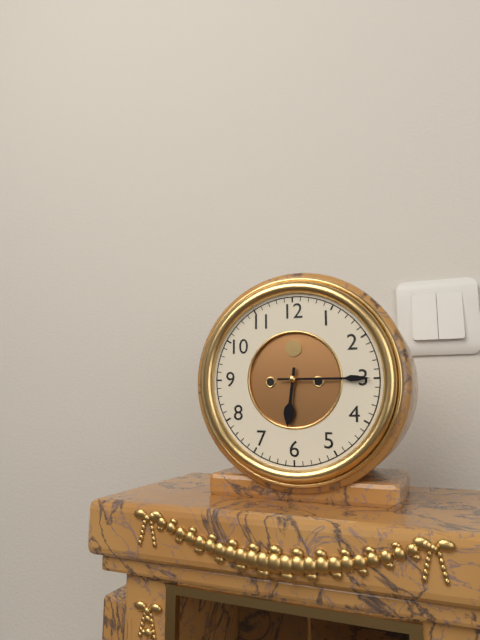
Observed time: **6:15**
